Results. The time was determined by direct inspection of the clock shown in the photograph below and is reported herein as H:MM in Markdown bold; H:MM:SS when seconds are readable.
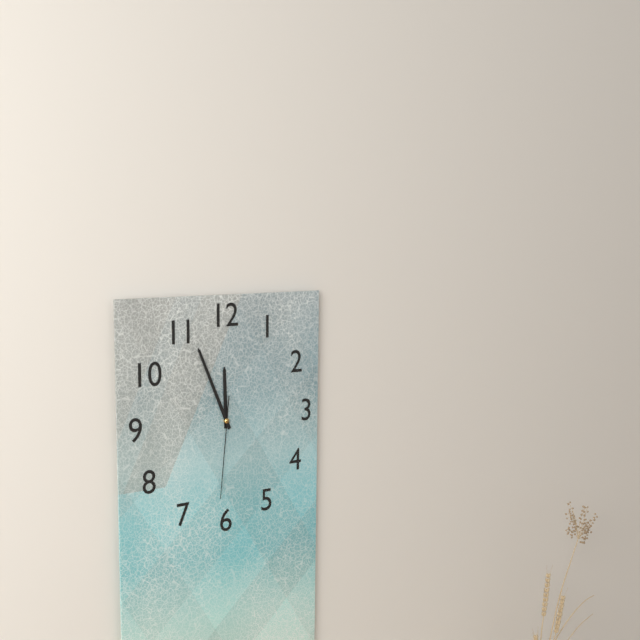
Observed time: **11:56:31**
